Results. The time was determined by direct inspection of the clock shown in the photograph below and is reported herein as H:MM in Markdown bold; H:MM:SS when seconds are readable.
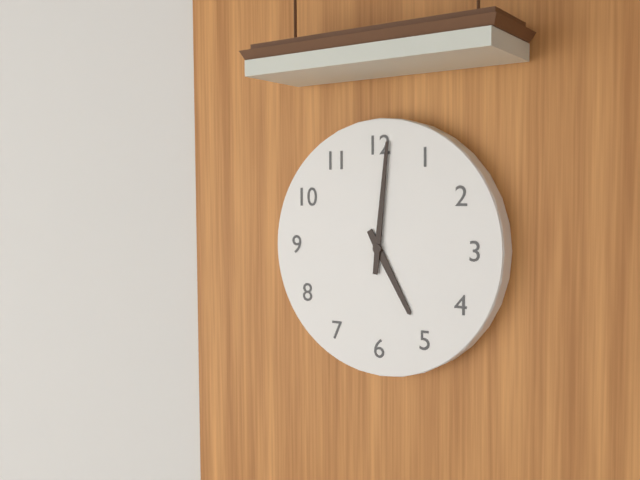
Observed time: **5:01**
